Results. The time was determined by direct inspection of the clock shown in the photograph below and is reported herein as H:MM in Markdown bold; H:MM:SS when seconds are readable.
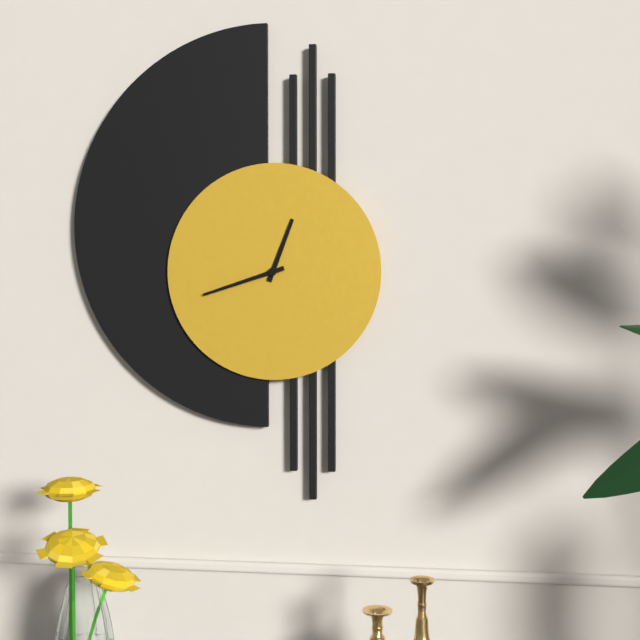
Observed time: **12:42**
